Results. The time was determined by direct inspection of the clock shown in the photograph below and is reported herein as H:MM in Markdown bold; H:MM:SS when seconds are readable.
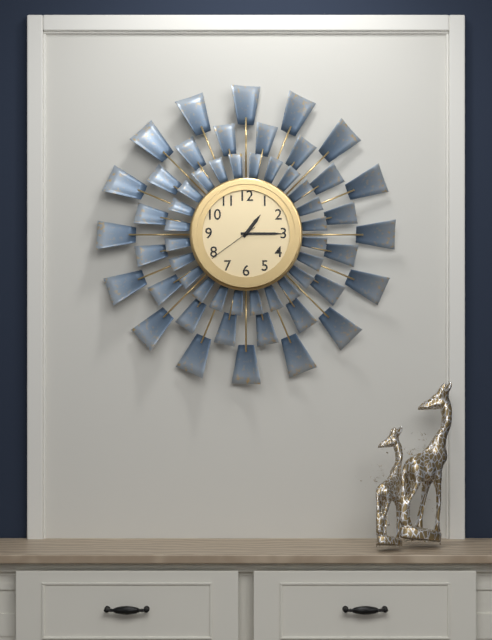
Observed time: **1:15:39**
